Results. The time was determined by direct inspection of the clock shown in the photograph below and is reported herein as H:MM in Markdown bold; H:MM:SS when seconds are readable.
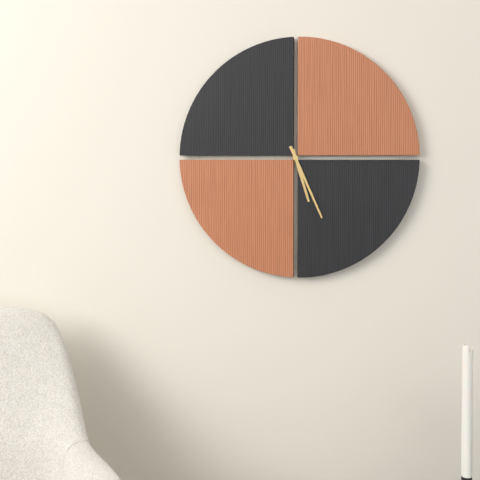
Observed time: **5:26**
